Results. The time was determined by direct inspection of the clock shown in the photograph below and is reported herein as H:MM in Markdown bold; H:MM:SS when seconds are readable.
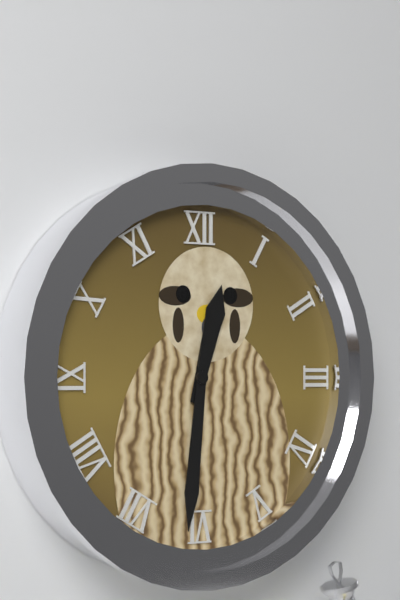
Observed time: **12:31**
